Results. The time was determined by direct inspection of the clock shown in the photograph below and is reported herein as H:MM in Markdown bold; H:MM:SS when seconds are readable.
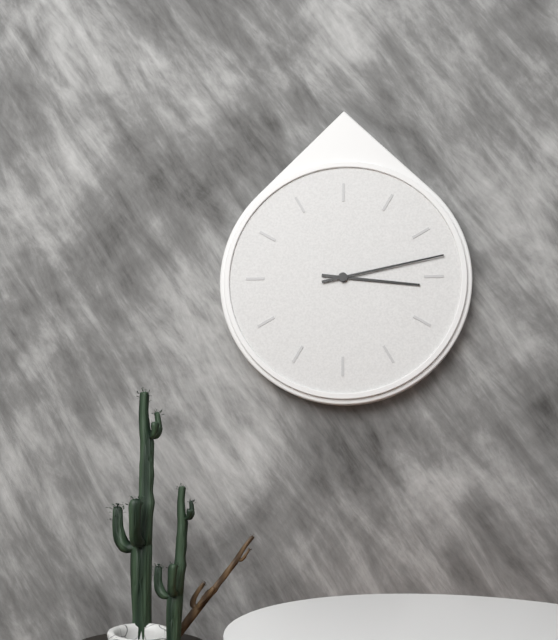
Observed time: **3:13**
